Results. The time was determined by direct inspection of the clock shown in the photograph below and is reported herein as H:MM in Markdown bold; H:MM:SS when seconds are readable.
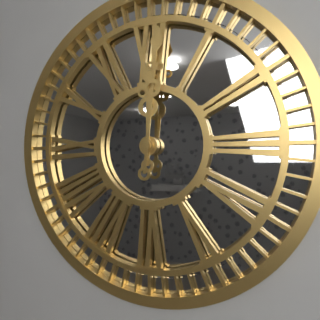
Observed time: **12:01**
